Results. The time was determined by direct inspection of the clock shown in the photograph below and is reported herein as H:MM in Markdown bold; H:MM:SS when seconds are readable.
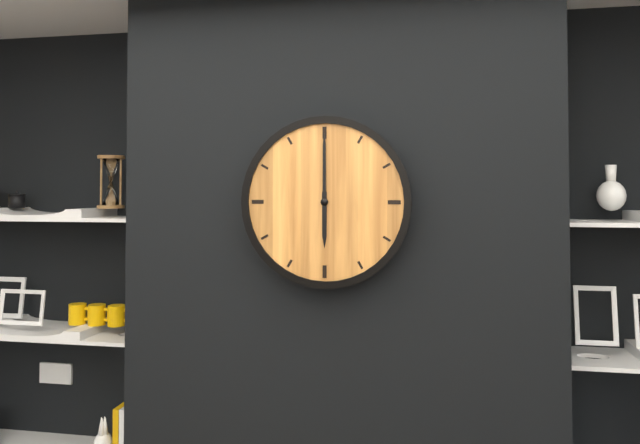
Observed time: **6:00**
